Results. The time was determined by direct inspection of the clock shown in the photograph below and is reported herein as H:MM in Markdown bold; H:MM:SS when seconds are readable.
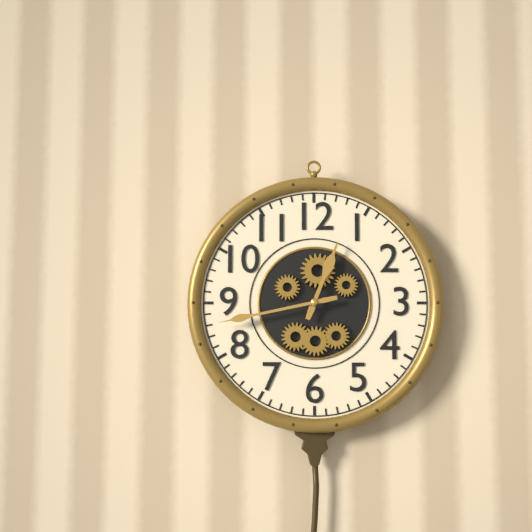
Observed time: **12:43**
